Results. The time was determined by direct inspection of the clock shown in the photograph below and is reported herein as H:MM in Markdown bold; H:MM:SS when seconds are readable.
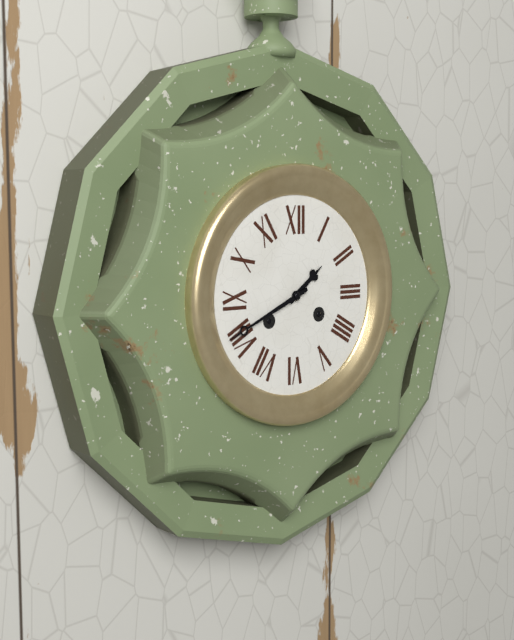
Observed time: **1:41**
